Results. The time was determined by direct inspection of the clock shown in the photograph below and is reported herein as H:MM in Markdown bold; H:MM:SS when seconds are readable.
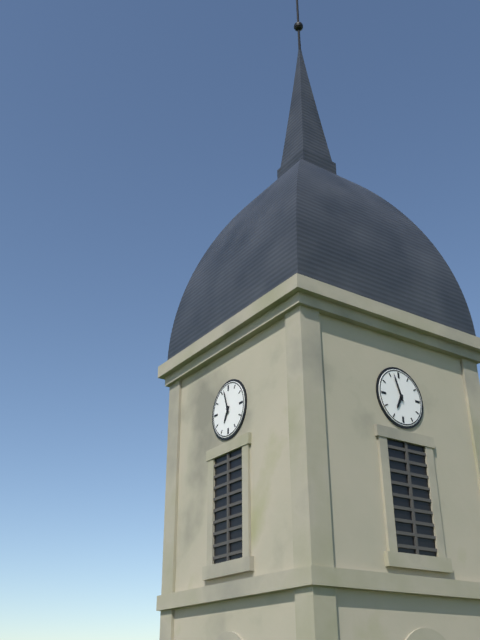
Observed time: **6:57**
